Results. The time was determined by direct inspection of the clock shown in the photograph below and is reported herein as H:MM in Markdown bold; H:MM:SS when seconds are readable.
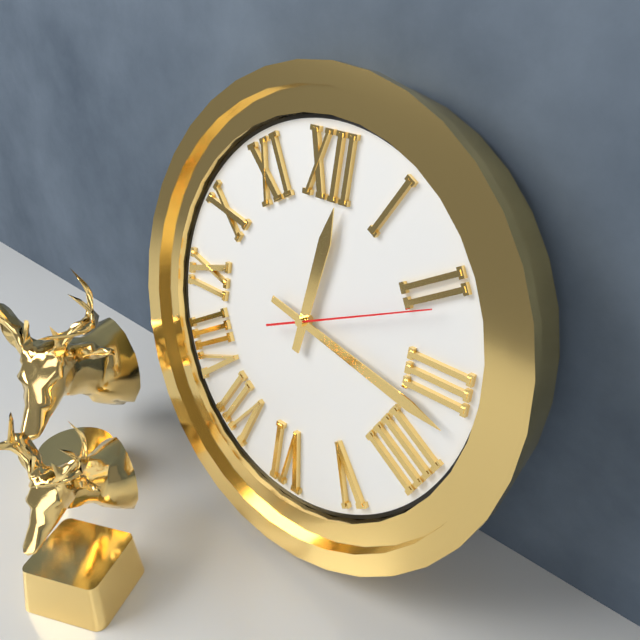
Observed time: **12:17:11**
